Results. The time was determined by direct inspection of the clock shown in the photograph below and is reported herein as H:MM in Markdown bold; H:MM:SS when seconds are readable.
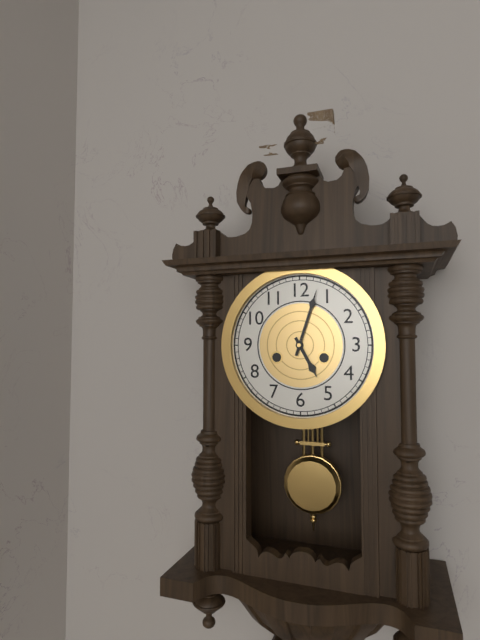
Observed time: **5:03**
